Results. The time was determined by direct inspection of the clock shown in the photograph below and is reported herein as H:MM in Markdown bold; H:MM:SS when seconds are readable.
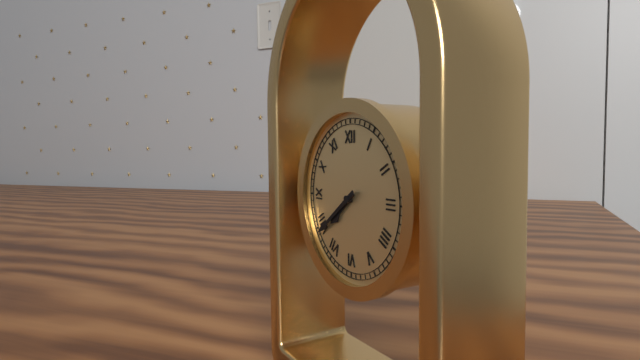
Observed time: **7:39**
